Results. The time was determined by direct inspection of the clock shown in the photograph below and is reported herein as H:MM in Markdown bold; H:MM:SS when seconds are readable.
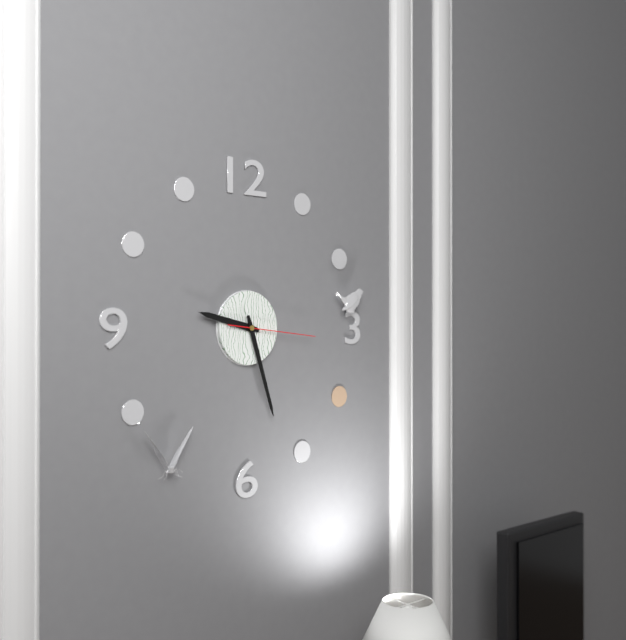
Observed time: **9:27:16**
